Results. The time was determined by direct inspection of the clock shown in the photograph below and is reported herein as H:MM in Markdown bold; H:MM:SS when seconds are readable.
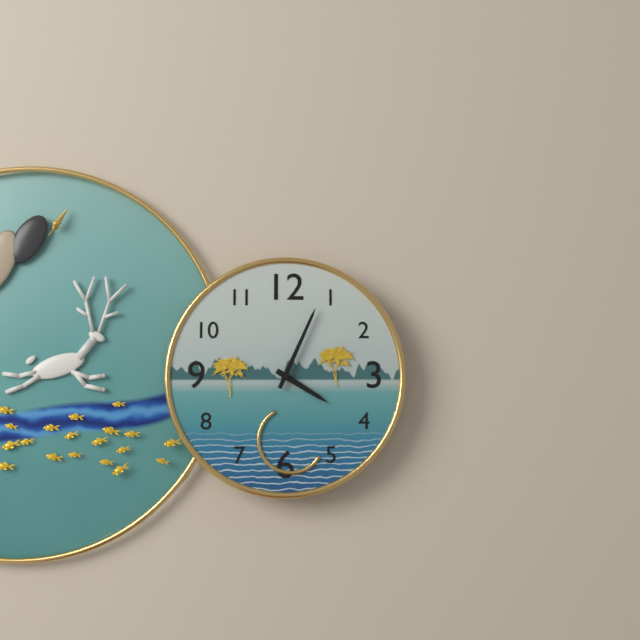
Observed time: **4:04**
